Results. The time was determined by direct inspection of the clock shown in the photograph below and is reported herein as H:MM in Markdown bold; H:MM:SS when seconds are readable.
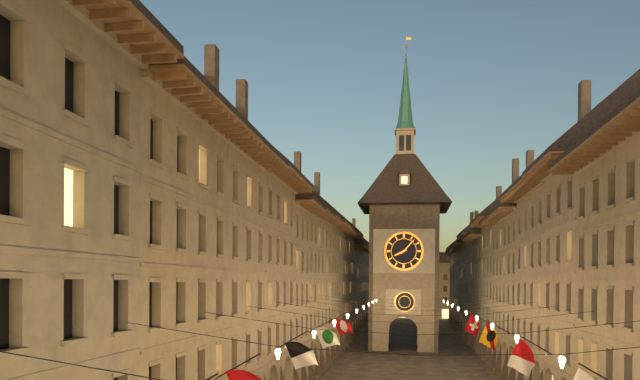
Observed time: **8:07**
